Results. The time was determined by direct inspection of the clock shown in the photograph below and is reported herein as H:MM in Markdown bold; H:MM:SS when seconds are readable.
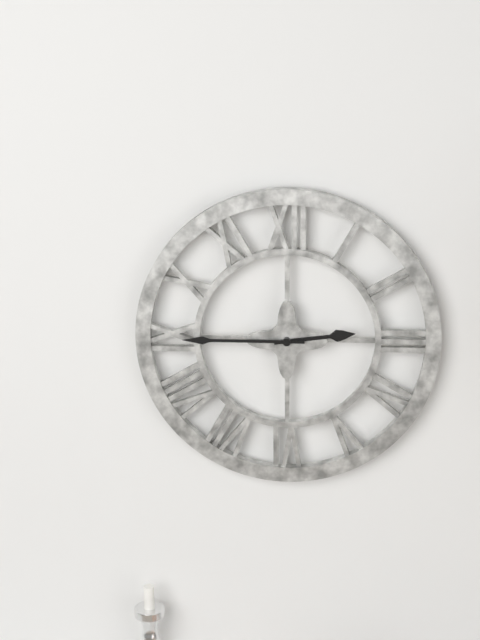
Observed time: **2:45**
